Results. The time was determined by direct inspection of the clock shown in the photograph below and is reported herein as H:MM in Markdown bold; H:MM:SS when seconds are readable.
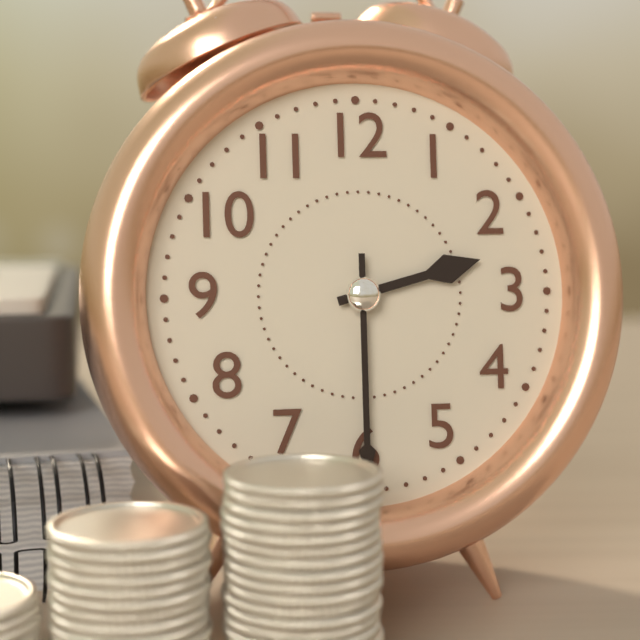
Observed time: **2:30**
